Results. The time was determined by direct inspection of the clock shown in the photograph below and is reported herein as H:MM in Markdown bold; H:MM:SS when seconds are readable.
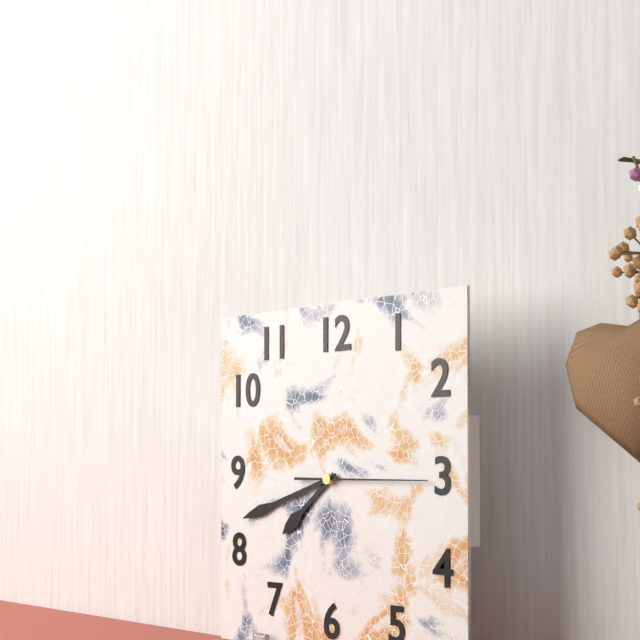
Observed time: **7:42:15**
